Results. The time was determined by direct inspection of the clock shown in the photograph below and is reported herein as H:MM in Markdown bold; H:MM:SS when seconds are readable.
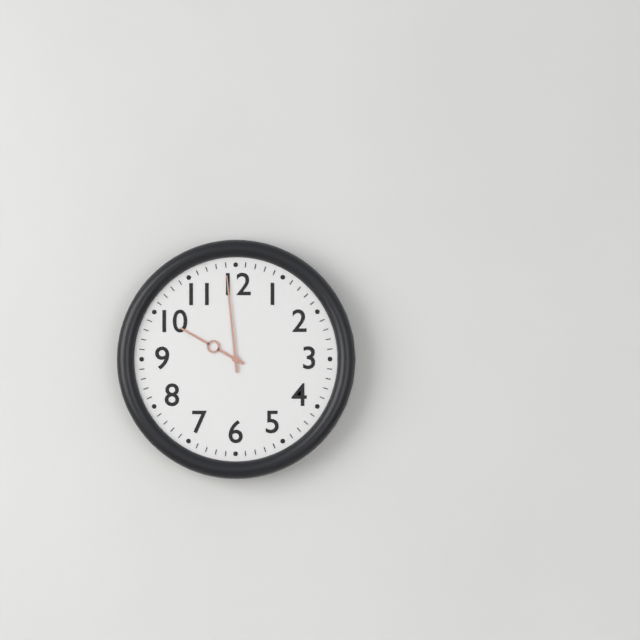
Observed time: **9:59**
